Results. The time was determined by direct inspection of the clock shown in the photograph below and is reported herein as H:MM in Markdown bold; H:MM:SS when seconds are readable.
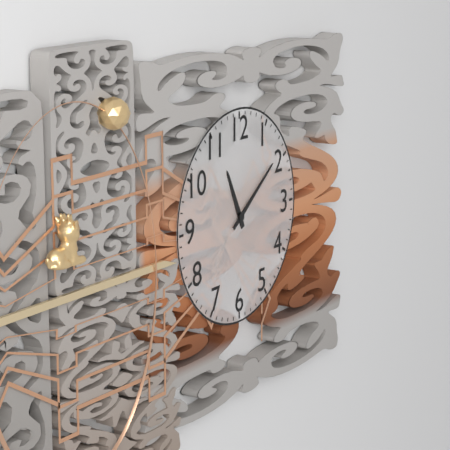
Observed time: **11:09**
